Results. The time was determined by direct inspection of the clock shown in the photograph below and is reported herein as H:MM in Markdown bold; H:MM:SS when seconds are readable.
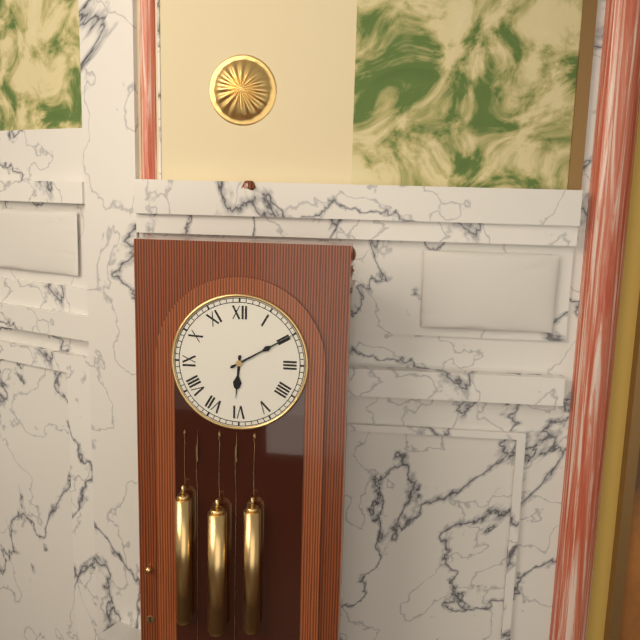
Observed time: **6:10**
